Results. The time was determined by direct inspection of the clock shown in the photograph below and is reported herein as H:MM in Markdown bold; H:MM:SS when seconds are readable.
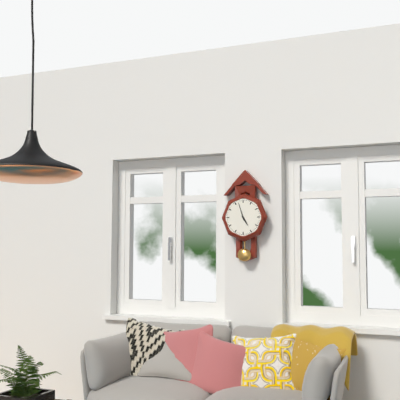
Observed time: **4:57**
